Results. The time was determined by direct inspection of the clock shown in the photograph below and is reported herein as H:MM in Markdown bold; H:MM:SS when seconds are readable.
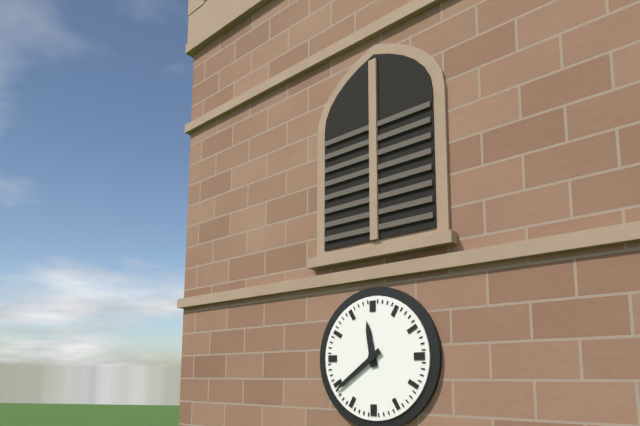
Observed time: **11:39**
